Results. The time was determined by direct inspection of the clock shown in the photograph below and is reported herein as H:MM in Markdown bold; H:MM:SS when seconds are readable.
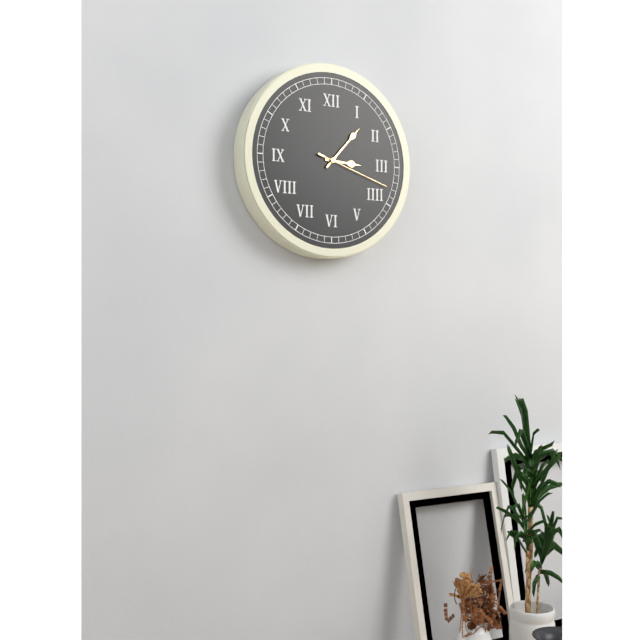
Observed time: **3:07:18**
